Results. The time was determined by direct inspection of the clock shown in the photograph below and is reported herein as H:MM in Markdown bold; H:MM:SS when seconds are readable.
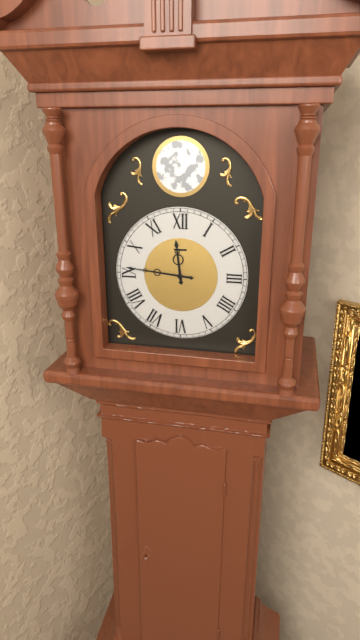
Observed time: **11:46**
